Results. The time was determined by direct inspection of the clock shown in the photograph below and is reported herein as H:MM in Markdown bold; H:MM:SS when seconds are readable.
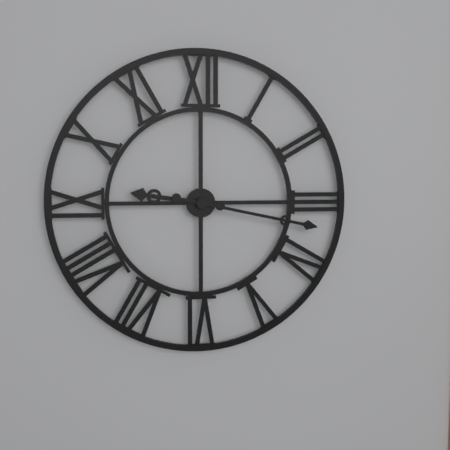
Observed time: **9:17**
